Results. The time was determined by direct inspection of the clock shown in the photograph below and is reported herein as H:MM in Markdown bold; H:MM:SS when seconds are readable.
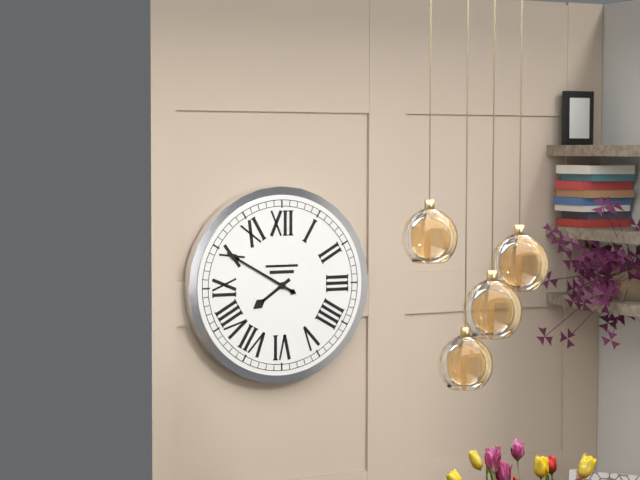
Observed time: **7:50**
